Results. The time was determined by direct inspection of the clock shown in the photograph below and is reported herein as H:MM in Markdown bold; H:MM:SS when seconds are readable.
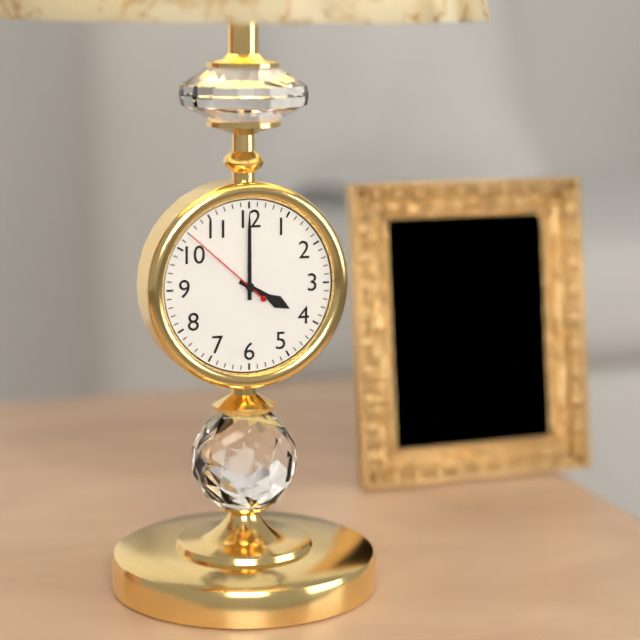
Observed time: **4:00:52**
